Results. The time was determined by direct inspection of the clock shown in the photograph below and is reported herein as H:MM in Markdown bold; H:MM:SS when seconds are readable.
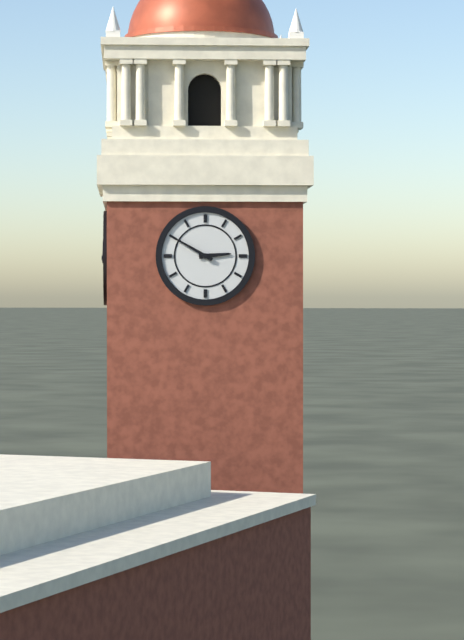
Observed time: **2:50**
